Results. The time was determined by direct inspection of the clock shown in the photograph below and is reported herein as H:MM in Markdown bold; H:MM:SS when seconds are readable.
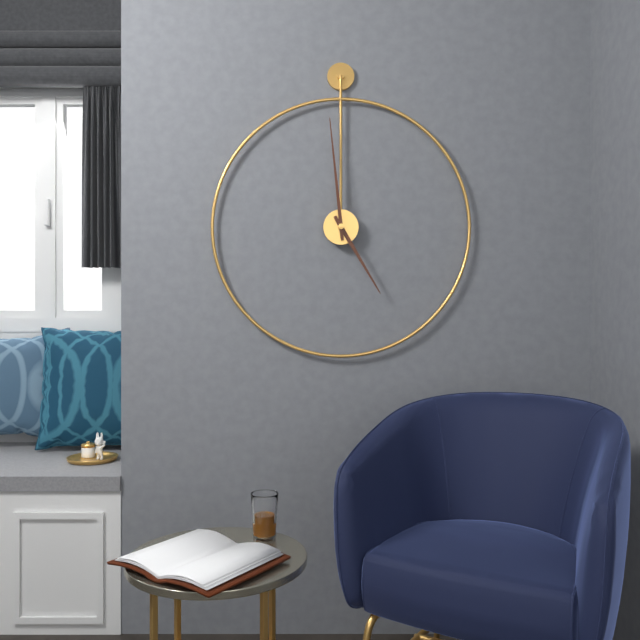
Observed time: **4:59**
